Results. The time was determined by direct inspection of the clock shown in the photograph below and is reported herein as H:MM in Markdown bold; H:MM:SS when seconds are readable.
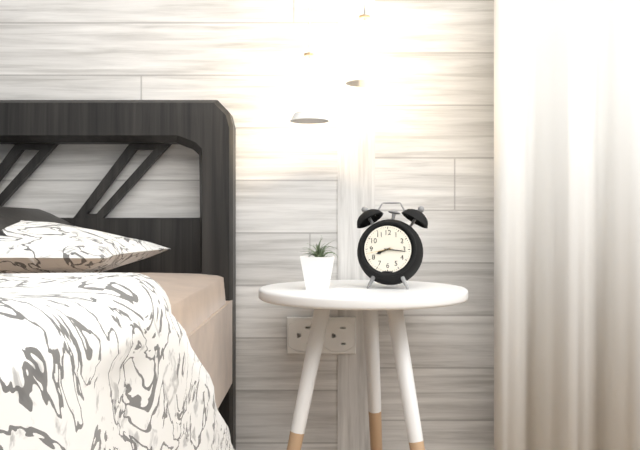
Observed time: **8:16**
